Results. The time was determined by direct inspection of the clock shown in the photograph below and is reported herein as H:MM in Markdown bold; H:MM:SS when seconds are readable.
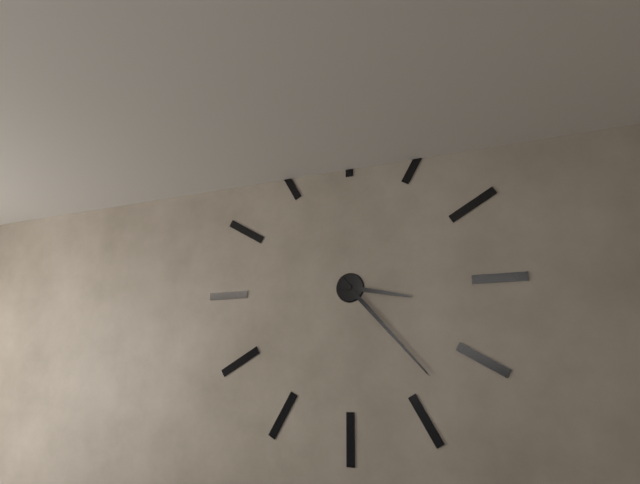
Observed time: **3:23**
